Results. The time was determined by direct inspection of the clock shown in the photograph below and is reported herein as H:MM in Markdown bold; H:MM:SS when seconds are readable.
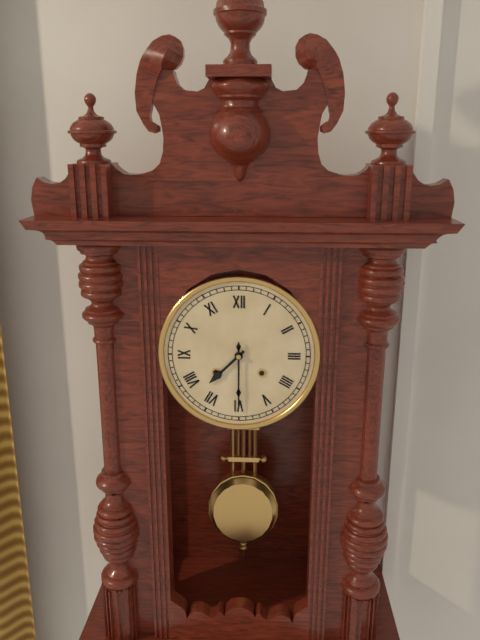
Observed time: **7:30**
